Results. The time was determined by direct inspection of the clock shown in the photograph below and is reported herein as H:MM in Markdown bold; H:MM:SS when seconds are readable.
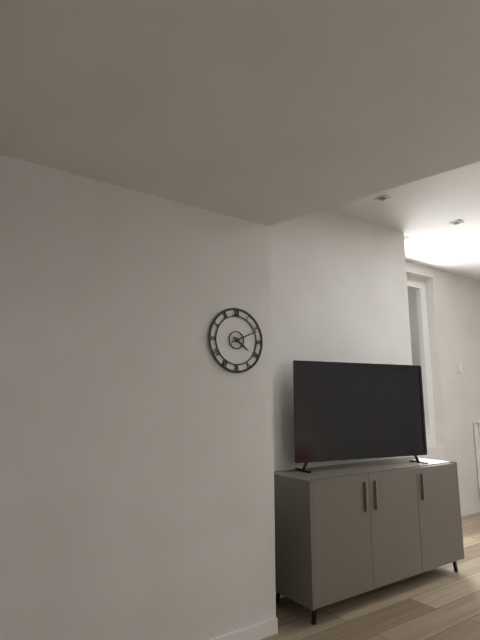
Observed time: **4:11**
